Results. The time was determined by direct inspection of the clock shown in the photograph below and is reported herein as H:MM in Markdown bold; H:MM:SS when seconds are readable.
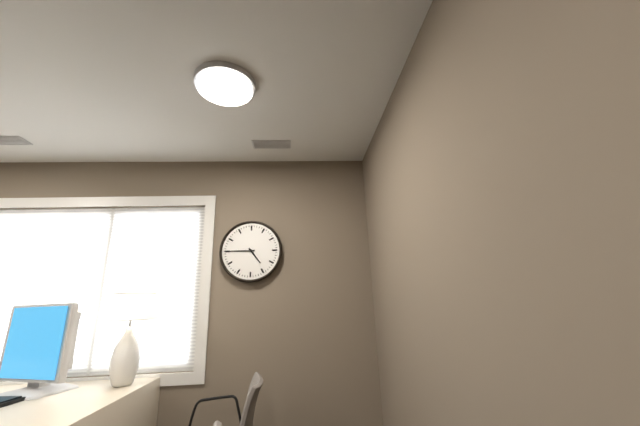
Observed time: **4:45**
